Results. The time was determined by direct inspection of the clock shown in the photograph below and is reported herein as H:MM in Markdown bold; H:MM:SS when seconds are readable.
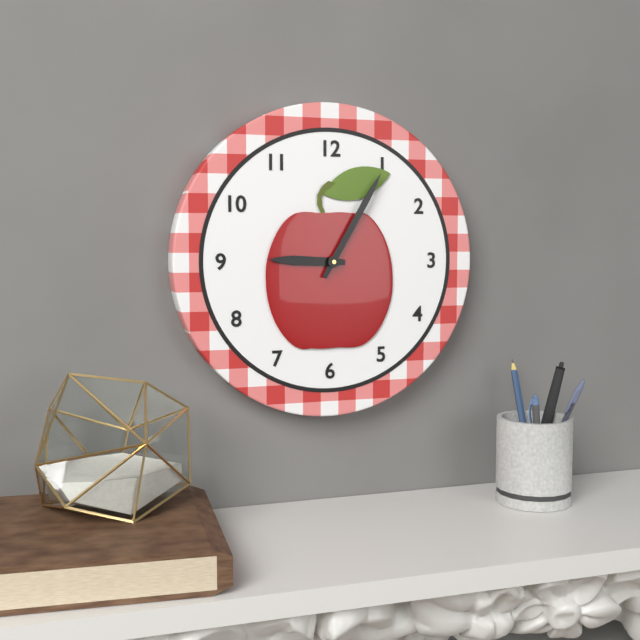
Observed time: **9:05**
